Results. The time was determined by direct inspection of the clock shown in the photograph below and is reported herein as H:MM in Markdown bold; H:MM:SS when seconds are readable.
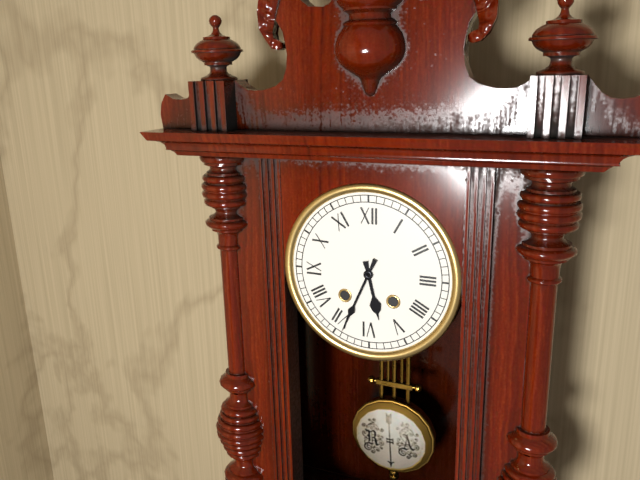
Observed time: **5:34**
